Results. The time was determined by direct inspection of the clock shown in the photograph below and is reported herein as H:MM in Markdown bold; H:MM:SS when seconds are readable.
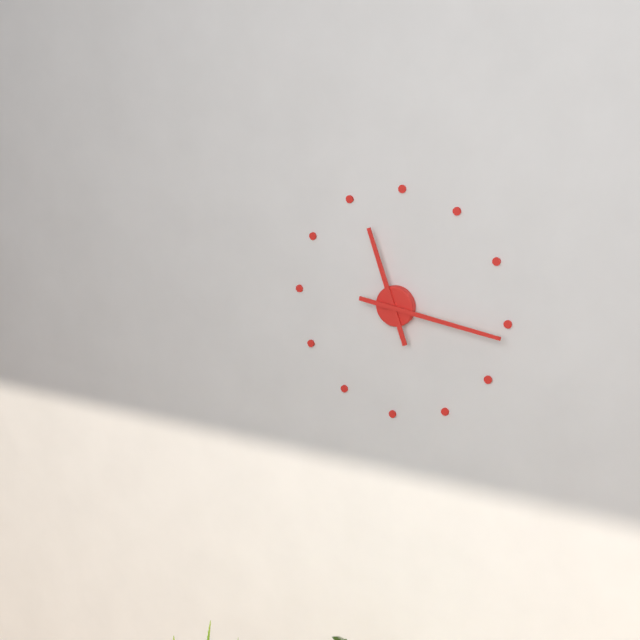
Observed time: **11:16**
